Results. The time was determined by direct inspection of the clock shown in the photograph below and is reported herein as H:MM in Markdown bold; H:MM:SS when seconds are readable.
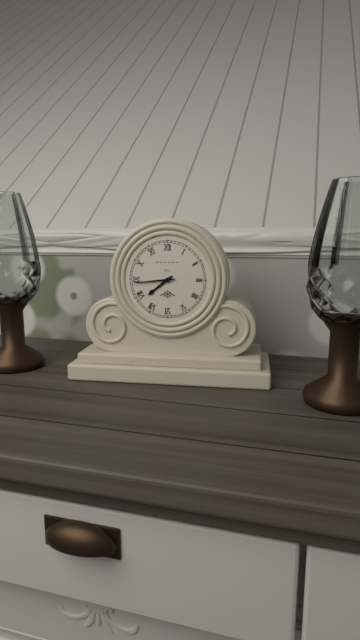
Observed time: **7:44**
